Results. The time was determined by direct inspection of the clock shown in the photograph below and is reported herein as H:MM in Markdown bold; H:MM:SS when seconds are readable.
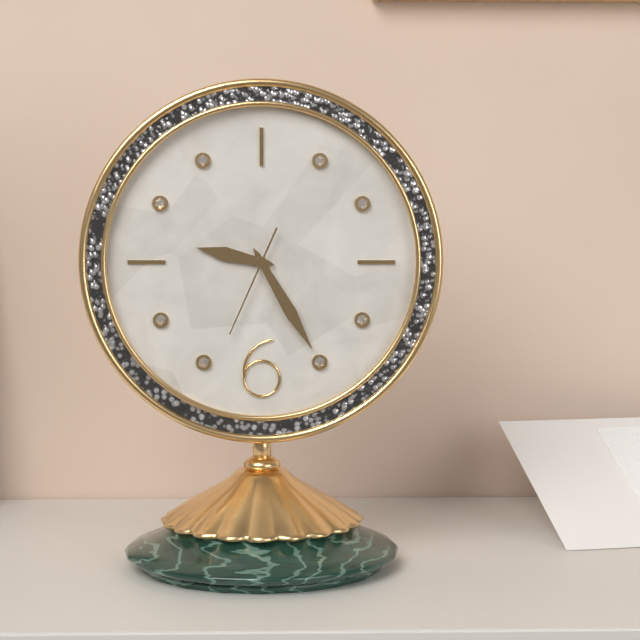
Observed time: **9:25:34**
